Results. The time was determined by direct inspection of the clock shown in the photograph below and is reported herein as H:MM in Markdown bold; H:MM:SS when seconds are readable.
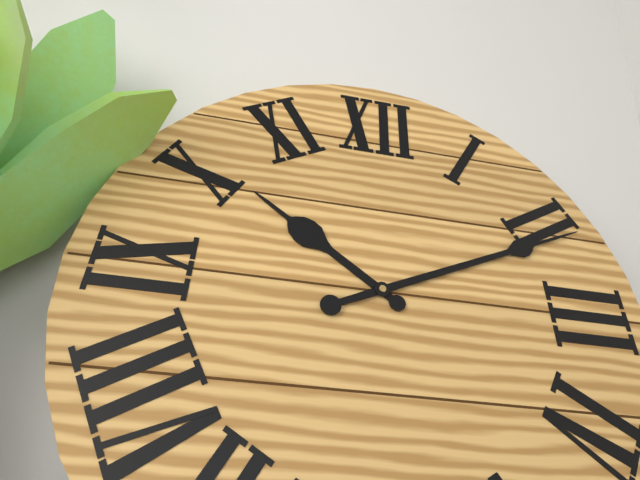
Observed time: **10:11**
